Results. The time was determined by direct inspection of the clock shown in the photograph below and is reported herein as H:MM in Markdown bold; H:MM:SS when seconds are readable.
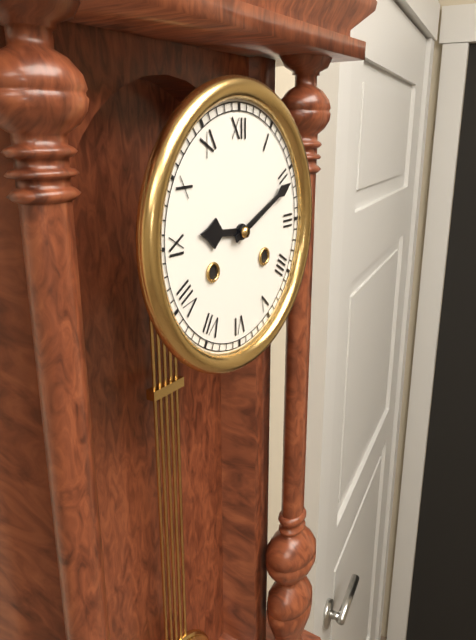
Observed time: **9:11**
